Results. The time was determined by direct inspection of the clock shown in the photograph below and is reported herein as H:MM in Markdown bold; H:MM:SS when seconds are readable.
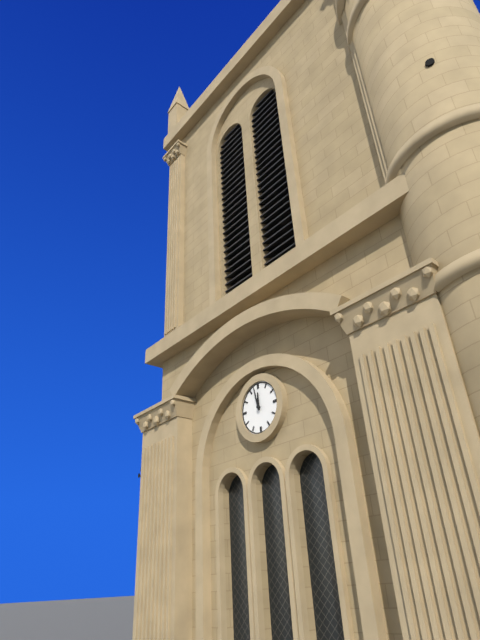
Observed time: **11:58**
